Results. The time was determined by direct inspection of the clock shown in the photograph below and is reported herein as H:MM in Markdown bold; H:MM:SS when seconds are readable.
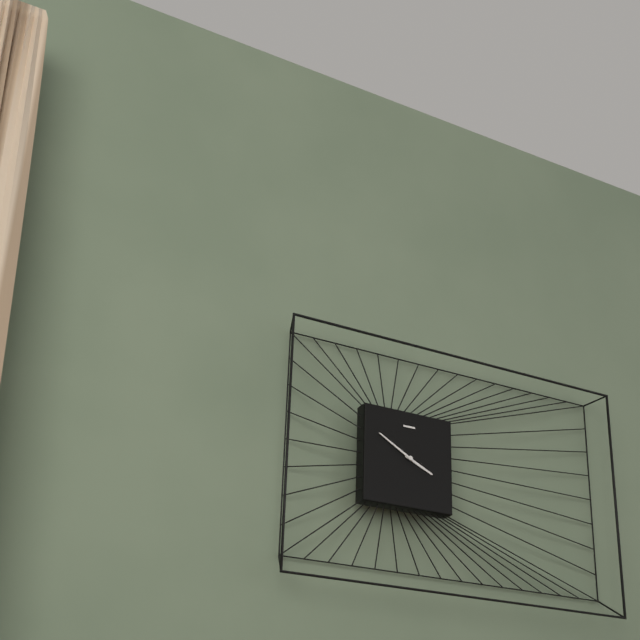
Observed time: **3:50**
